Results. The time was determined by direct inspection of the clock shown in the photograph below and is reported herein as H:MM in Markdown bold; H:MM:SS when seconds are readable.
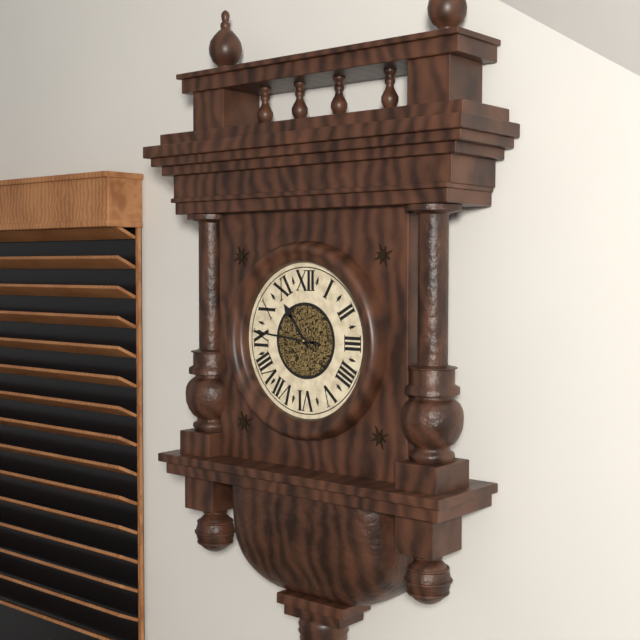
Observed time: **10:46**
